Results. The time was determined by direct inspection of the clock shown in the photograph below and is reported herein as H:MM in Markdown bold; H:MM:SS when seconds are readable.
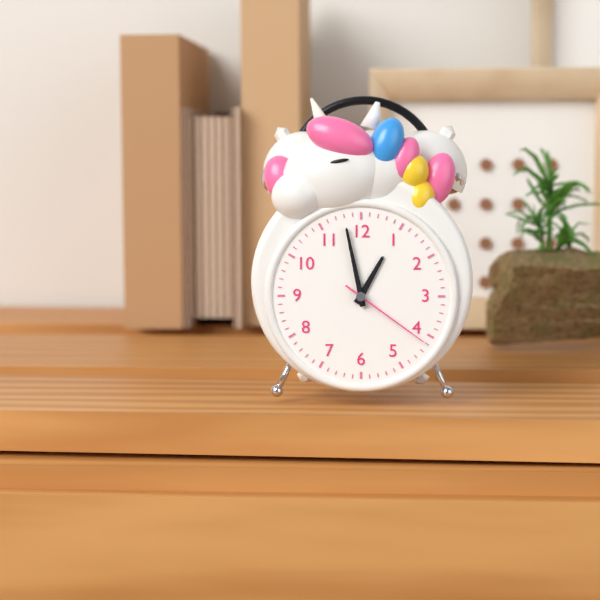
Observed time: **12:58:21**
